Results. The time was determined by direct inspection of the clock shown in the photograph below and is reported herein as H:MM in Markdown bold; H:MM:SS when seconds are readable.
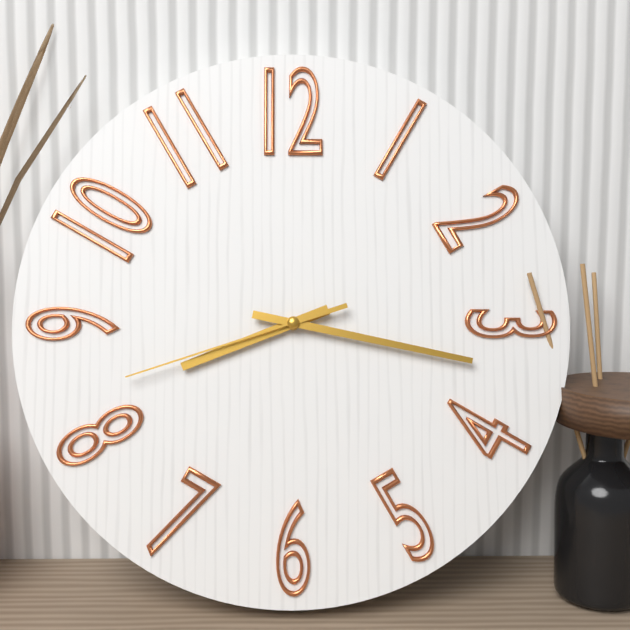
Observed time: **8:17:42**
